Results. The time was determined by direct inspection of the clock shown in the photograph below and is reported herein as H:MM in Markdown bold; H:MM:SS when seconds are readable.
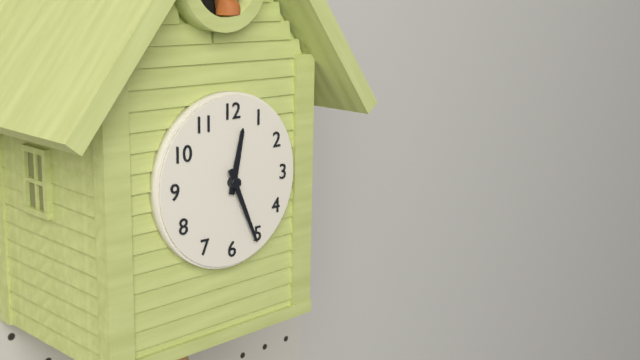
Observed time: **12:26**
